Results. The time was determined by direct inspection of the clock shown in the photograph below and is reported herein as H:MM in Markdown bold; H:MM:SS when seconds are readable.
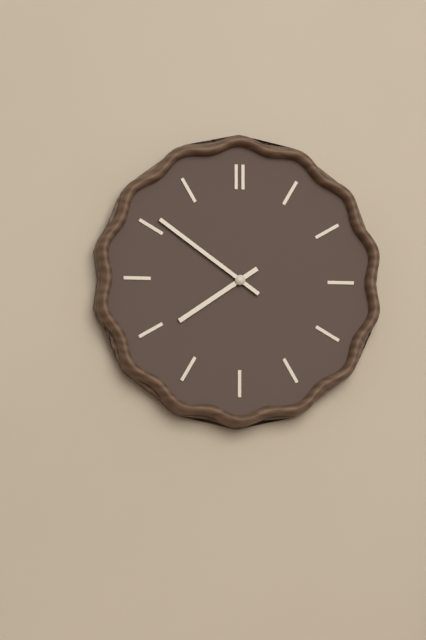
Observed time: **7:51**
